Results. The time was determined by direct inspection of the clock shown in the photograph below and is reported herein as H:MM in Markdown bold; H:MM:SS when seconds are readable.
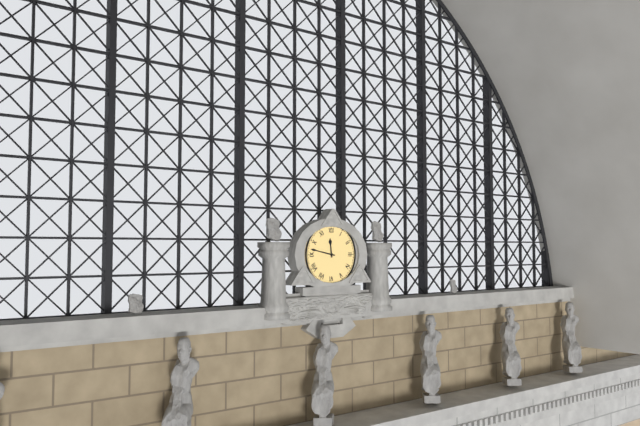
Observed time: **11:47**
